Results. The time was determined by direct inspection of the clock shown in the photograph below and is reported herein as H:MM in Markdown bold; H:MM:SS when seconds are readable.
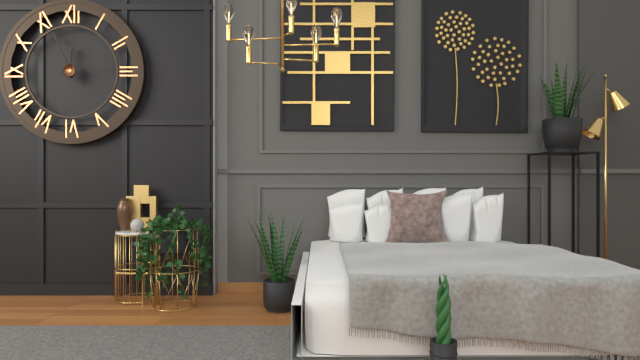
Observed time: **11:56:13**
